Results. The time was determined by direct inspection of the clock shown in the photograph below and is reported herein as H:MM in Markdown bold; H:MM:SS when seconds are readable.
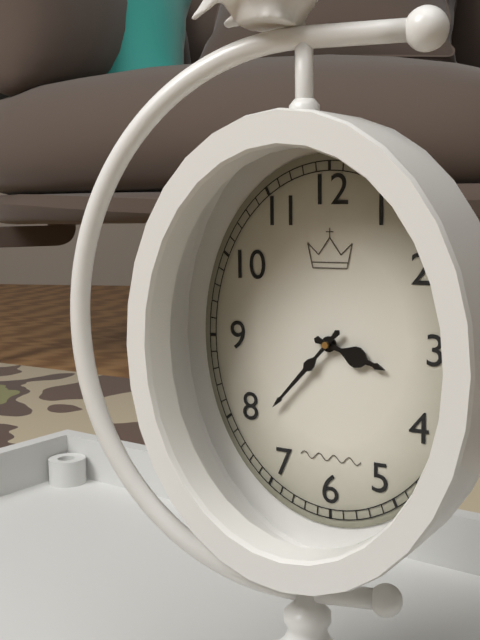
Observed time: **3:37**
